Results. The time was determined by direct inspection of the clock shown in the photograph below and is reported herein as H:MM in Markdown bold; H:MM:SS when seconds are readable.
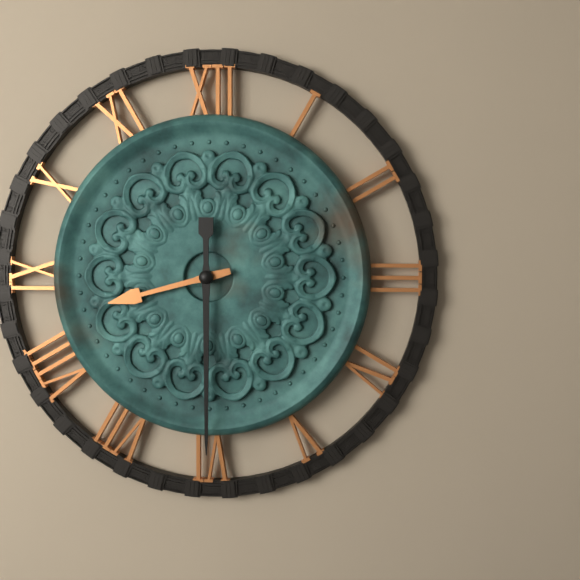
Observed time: **8:30**
